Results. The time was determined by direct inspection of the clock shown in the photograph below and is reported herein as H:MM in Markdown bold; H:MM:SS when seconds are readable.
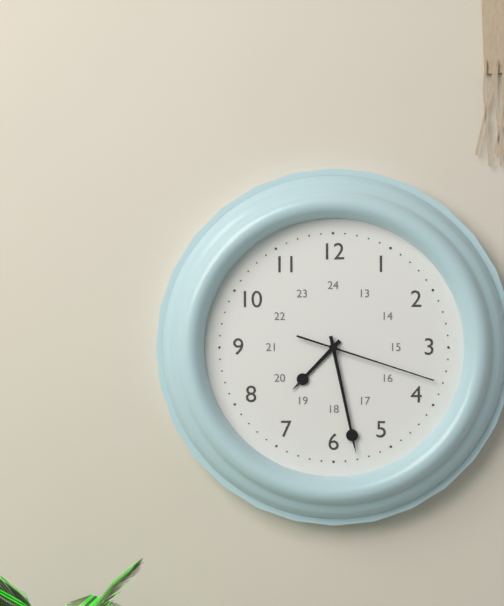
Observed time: **7:28:18**
